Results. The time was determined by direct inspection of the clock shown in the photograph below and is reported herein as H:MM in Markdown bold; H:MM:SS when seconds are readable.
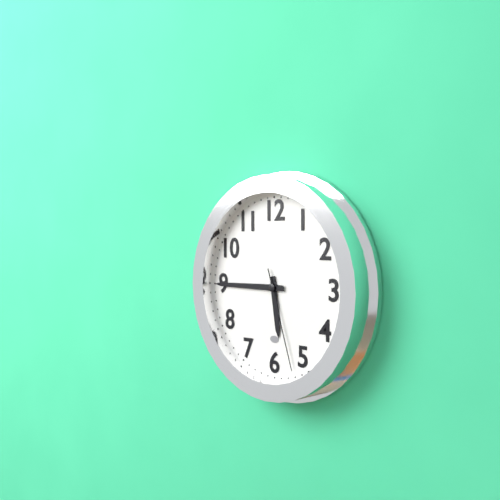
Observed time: **5:45:27**
